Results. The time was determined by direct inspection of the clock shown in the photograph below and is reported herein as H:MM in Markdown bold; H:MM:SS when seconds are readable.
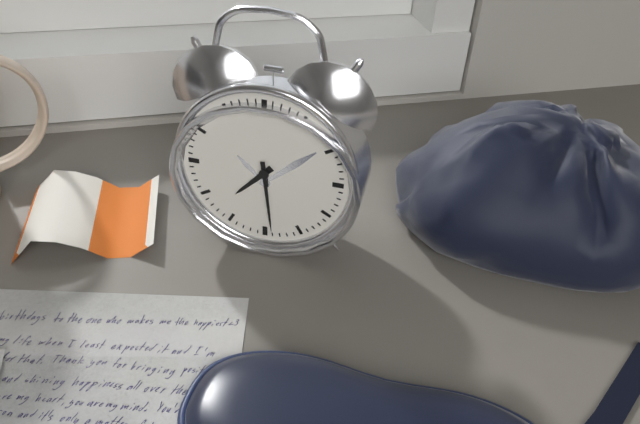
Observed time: **7:29**
